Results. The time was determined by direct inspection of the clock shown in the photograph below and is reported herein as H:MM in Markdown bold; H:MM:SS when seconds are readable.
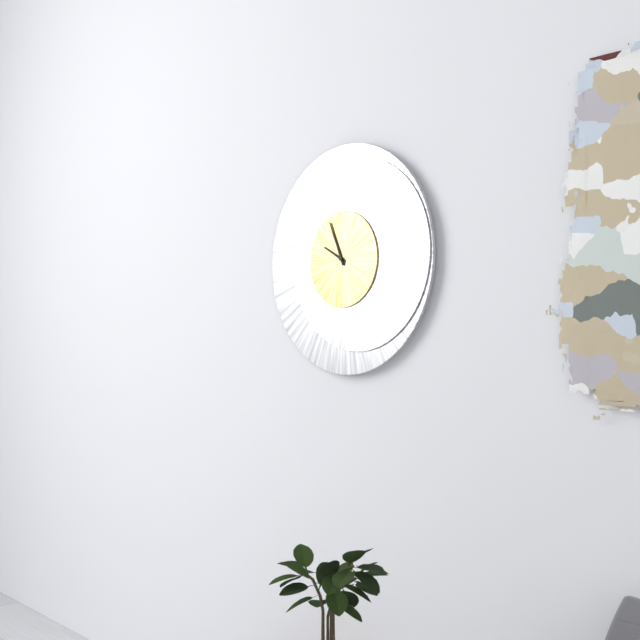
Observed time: **9:56**
